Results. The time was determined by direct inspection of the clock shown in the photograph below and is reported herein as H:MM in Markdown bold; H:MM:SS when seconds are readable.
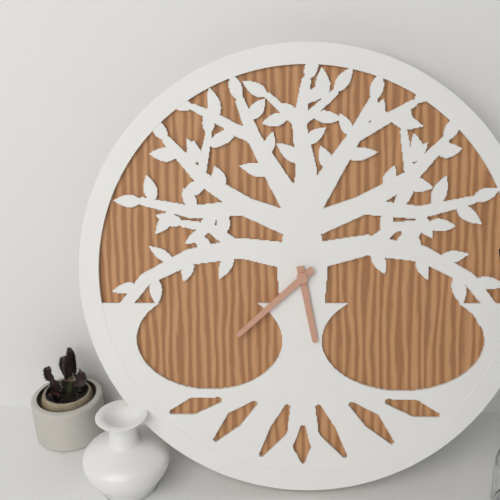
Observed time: **5:38**
